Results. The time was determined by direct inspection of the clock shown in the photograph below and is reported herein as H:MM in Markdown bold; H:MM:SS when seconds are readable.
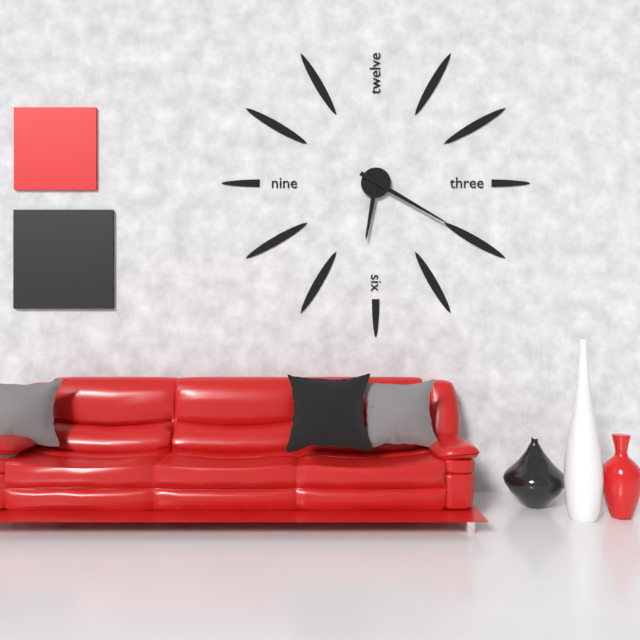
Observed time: **6:20**
